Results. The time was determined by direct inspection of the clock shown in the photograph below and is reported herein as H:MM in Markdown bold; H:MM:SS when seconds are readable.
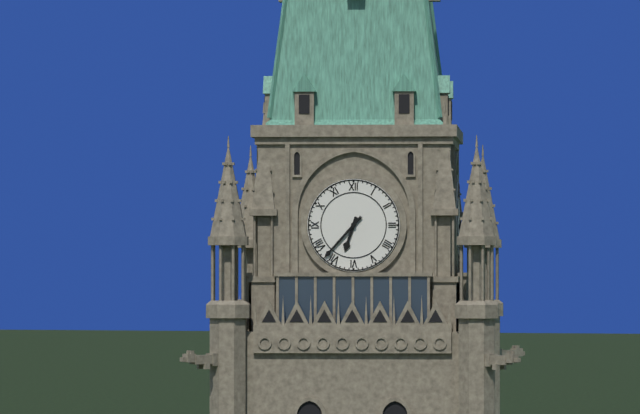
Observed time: **6:37**
